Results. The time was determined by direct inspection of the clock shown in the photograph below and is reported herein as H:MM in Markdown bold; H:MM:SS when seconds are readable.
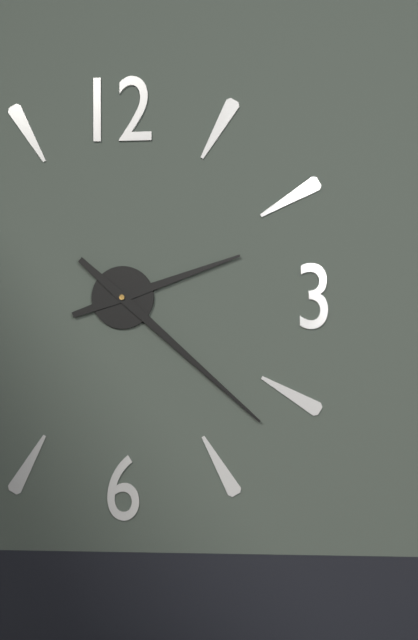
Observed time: **2:22**
